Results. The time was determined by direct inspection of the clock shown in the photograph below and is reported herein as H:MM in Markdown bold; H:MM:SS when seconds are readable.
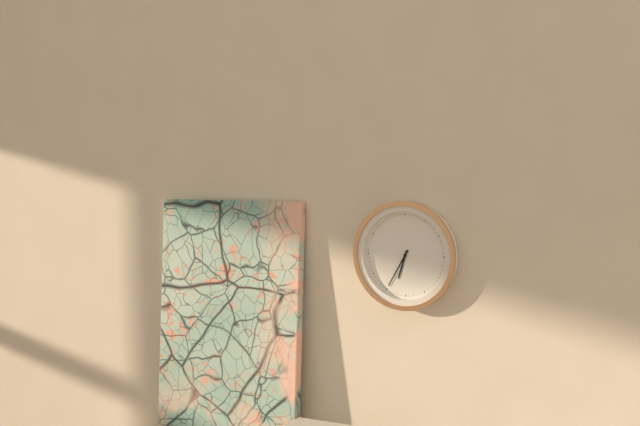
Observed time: **6:35**
